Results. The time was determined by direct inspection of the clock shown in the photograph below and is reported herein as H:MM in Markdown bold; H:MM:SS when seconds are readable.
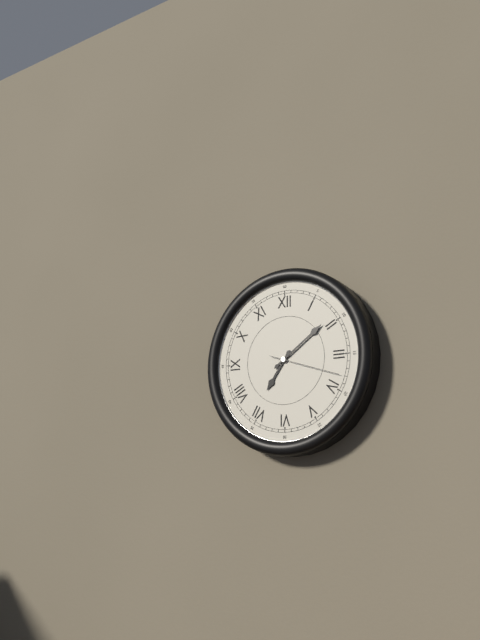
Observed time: **7:09:18**
